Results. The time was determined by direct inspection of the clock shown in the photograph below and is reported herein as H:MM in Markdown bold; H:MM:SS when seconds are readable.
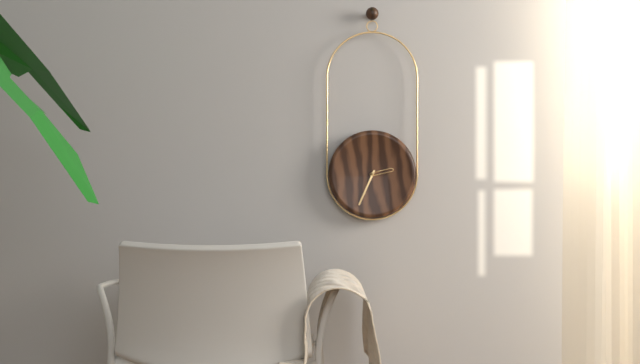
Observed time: **2:34**
